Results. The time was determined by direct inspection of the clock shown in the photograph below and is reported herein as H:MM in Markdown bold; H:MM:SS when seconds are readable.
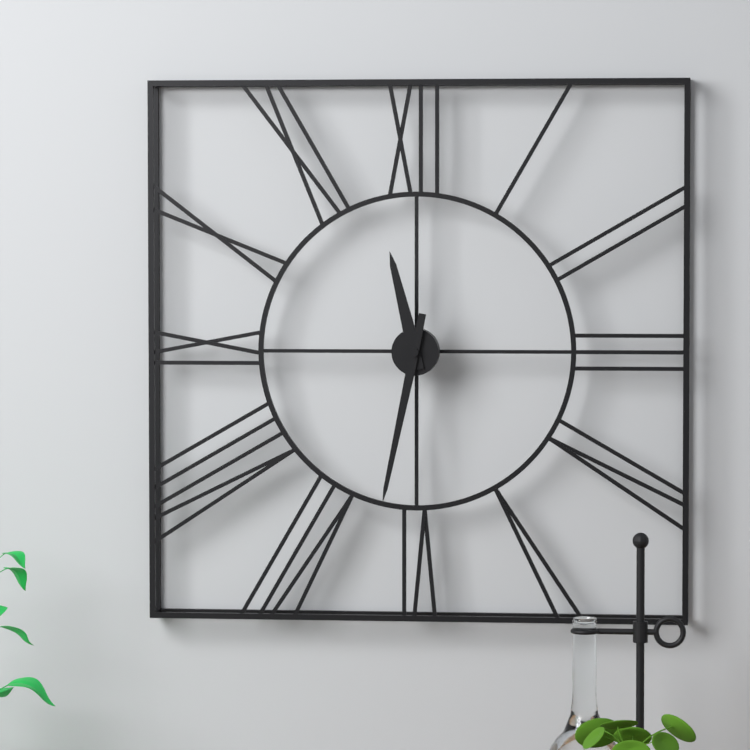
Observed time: **11:32**
